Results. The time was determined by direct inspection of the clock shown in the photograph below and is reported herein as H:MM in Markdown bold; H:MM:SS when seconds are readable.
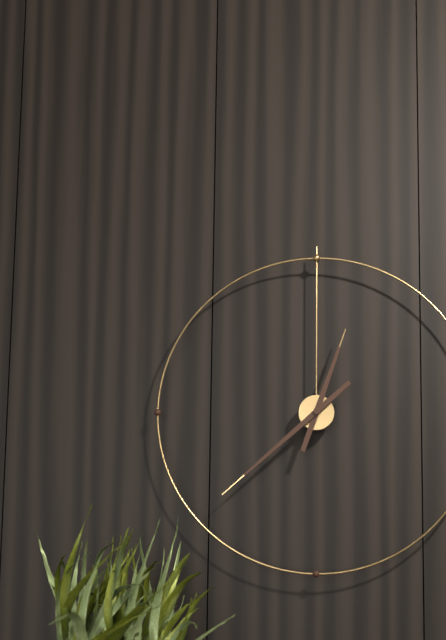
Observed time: **12:38**
